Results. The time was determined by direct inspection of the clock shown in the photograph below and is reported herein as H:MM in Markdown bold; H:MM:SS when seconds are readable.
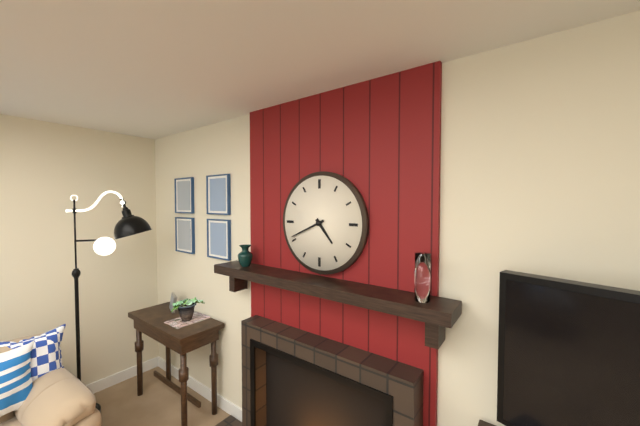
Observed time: **4:41**
